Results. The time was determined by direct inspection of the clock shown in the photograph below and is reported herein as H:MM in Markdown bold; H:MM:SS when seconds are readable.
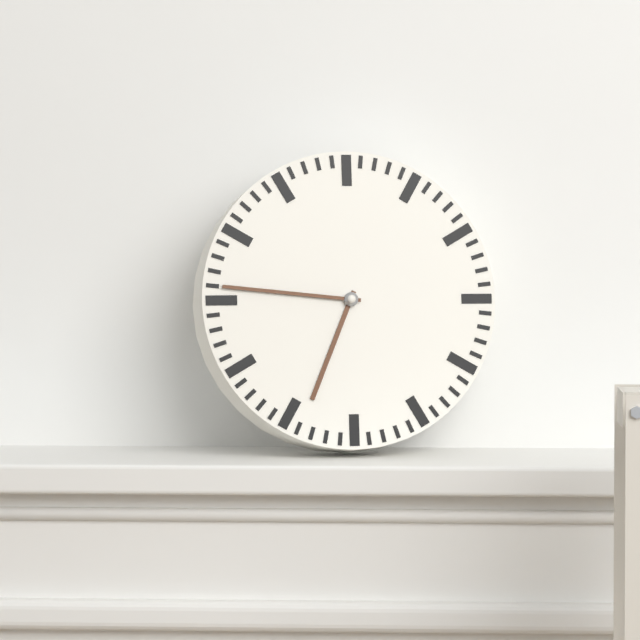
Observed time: **6:46**
